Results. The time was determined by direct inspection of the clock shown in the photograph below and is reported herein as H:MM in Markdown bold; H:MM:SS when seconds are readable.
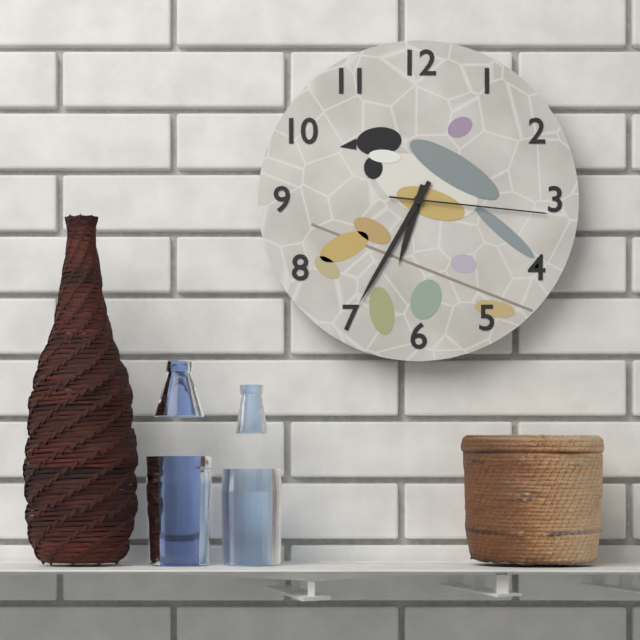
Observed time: **6:35:16**
